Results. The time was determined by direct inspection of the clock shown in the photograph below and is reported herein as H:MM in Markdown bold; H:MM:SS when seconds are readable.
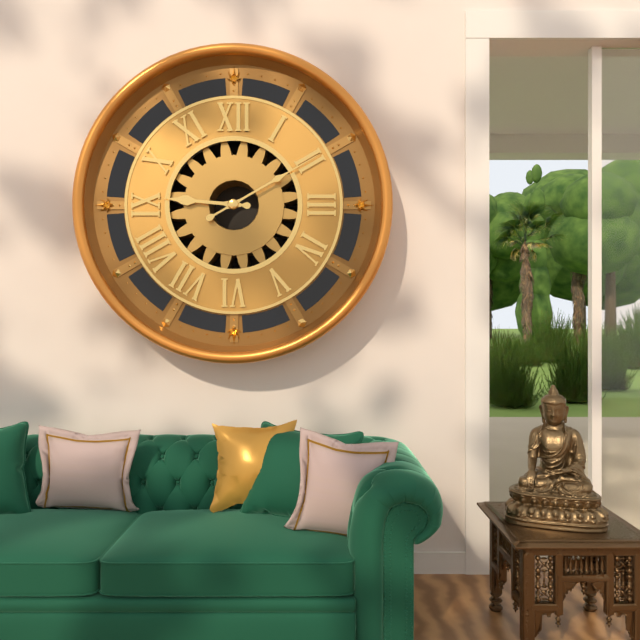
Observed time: **9:10**
